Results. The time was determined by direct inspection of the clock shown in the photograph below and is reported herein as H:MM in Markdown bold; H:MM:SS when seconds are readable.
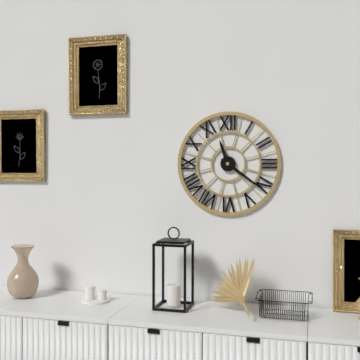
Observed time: **11:21**
